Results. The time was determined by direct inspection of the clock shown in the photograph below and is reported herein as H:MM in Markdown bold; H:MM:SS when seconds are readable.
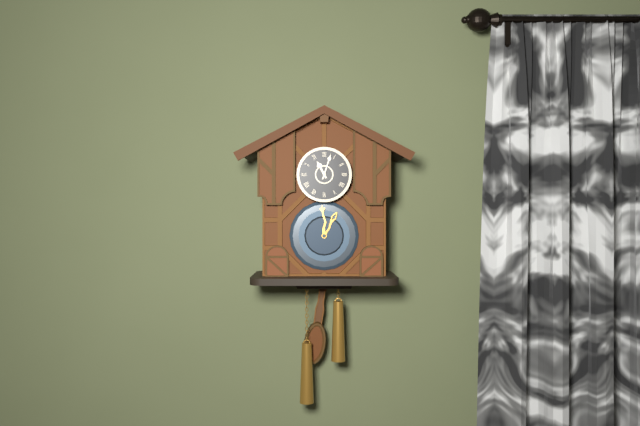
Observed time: **11:03**
